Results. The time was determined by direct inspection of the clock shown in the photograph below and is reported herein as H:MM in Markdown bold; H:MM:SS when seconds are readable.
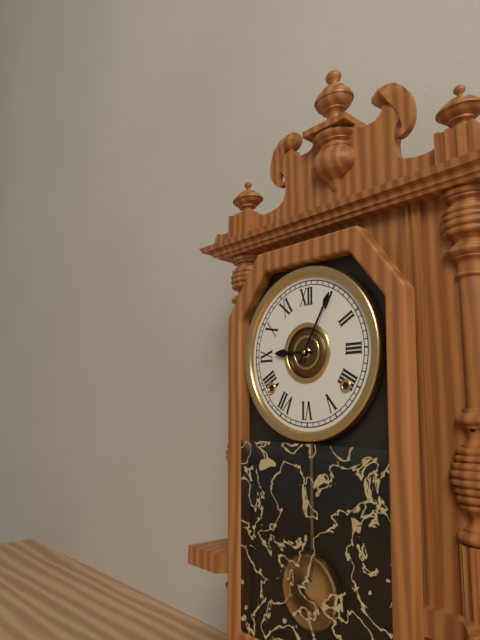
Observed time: **9:05**
